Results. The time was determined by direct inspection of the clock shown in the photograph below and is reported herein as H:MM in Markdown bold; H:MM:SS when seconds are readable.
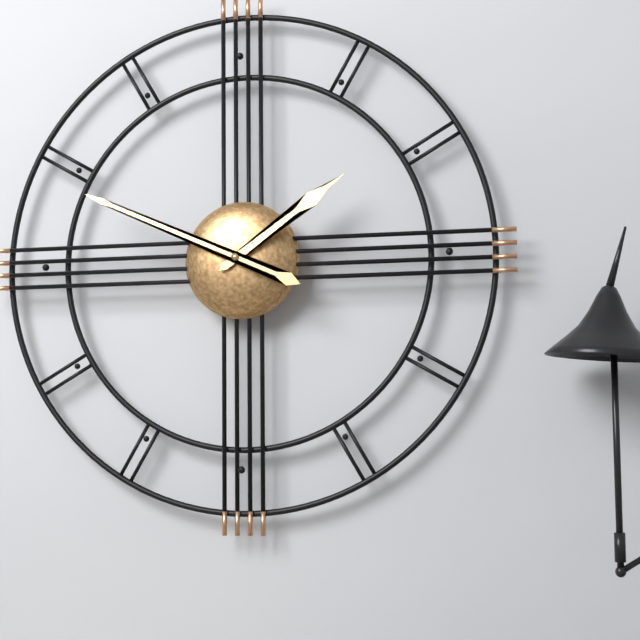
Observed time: **1:49**
